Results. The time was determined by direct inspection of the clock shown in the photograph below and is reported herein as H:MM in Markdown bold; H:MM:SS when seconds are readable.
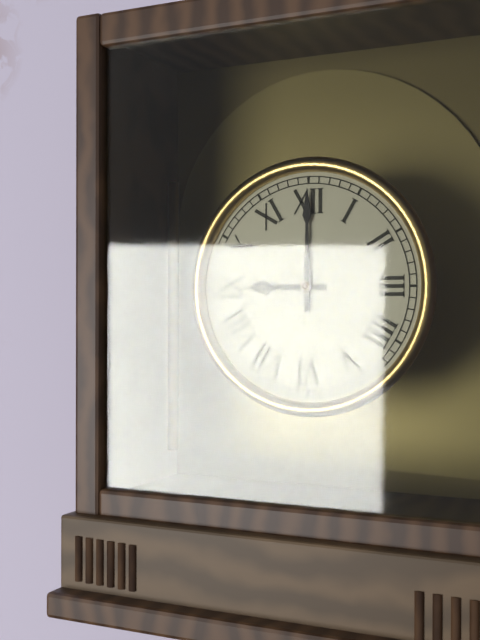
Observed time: **9:00**
